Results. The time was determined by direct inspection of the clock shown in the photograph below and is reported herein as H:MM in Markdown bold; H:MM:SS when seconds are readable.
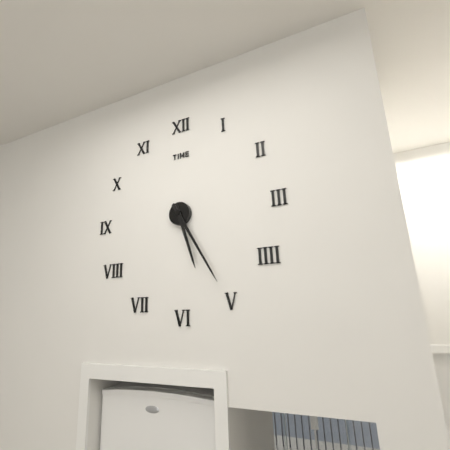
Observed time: **5:25**
